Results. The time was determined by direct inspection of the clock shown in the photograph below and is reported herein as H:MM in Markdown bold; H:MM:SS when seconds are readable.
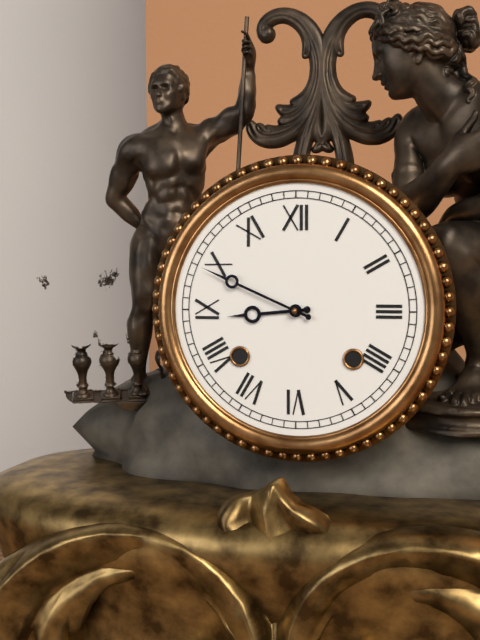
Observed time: **8:49**
